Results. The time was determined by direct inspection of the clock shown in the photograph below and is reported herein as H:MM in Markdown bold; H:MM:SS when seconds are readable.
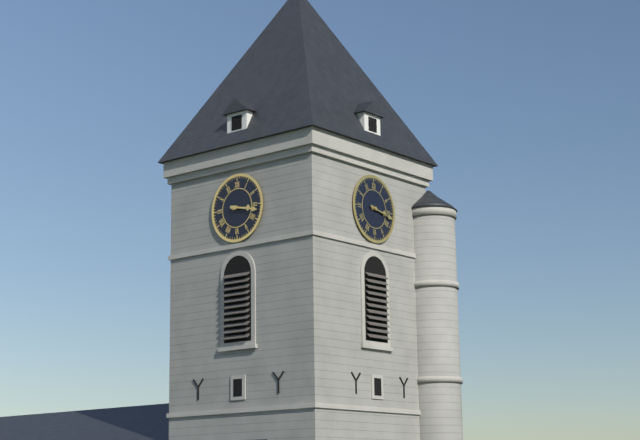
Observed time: **3:17**
